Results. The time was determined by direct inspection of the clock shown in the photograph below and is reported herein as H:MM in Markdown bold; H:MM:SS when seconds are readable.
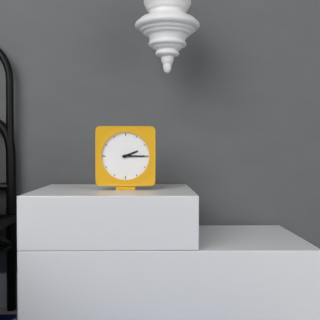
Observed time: **2:15**
